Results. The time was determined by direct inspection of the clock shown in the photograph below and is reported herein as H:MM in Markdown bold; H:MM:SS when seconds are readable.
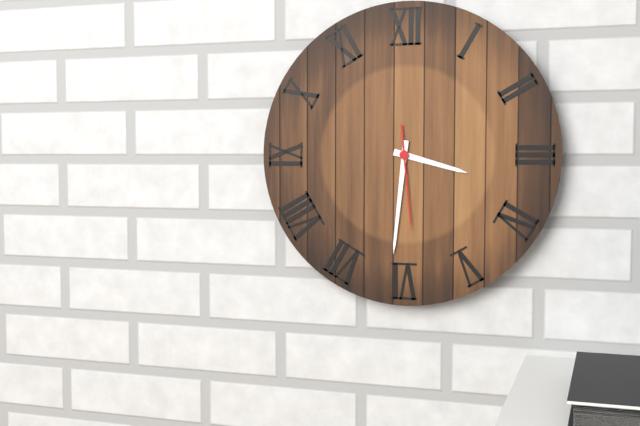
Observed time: **3:31:29**
